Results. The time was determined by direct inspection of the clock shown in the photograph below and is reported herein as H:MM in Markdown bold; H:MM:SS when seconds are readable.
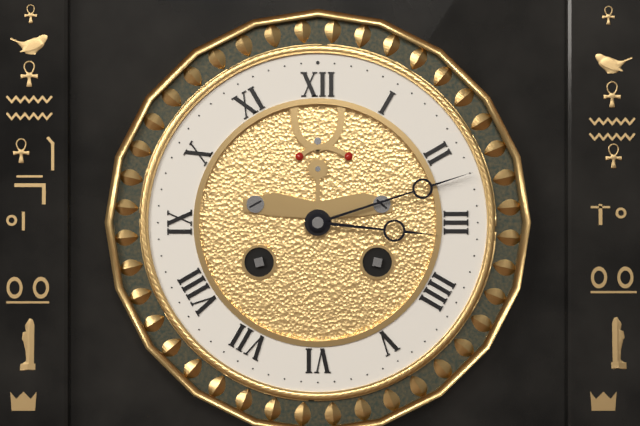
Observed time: **3:12**
